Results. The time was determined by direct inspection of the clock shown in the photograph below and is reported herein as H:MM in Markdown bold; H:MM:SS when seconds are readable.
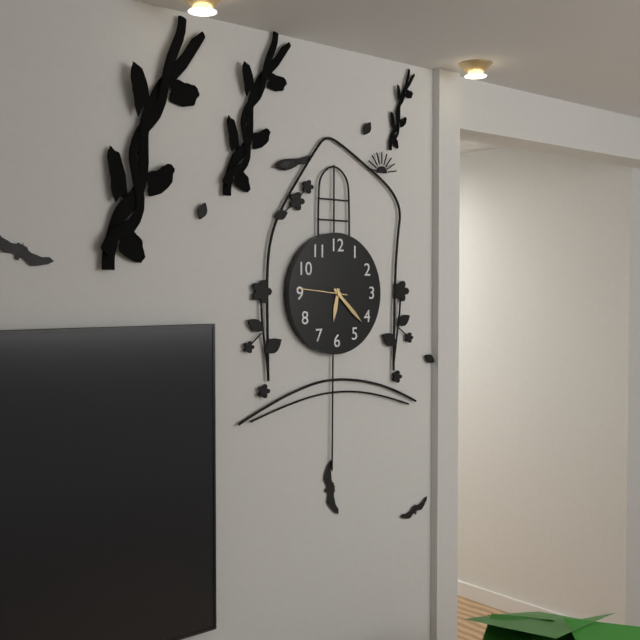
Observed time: **6:22**
